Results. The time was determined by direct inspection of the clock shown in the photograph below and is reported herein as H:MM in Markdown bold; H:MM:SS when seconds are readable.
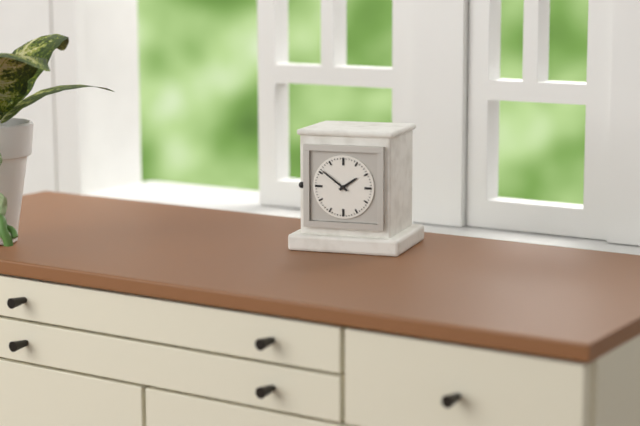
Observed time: **1:51**
